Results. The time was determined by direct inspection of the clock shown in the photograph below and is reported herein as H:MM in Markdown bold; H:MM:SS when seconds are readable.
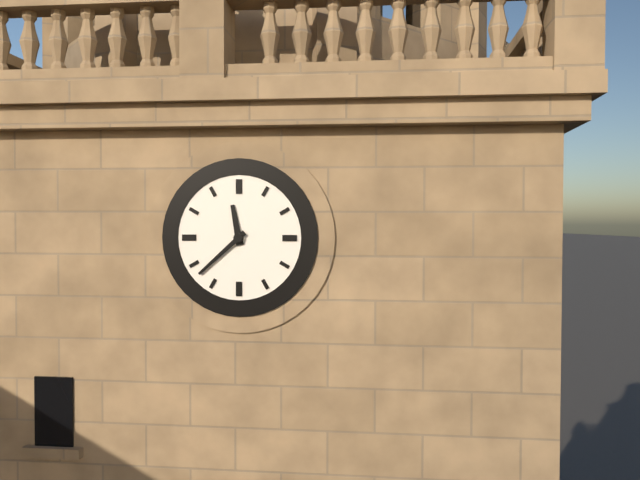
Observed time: **11:38**
